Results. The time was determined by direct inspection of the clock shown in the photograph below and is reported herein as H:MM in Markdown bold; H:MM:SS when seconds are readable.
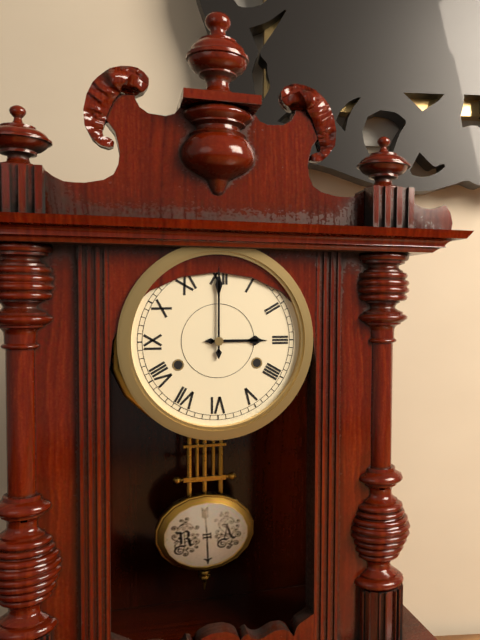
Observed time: **3:00**
